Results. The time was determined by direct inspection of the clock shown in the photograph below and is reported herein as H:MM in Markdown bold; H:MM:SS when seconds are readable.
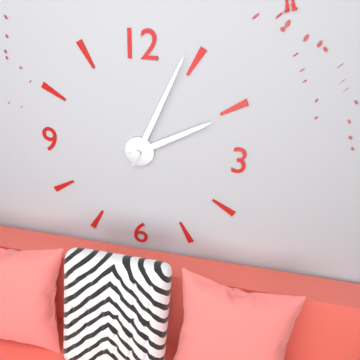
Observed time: **2:04**
